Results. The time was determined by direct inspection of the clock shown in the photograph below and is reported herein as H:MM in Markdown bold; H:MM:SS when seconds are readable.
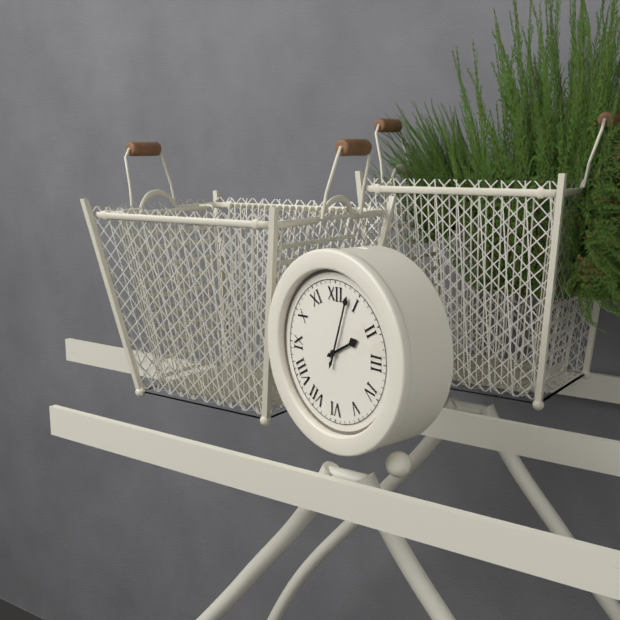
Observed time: **2:03**
